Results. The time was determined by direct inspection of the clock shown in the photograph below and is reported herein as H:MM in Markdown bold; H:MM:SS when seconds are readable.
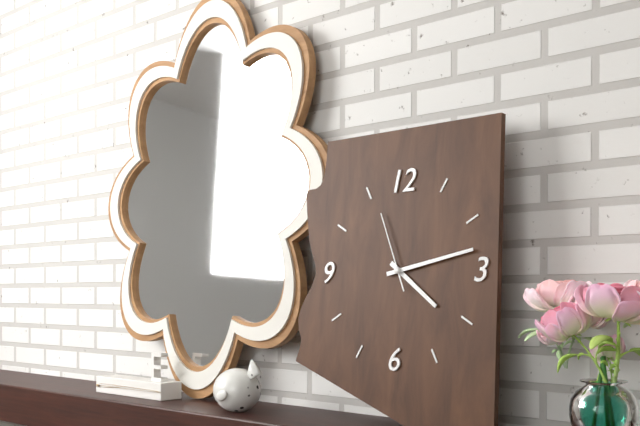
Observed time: **4:13:56**
